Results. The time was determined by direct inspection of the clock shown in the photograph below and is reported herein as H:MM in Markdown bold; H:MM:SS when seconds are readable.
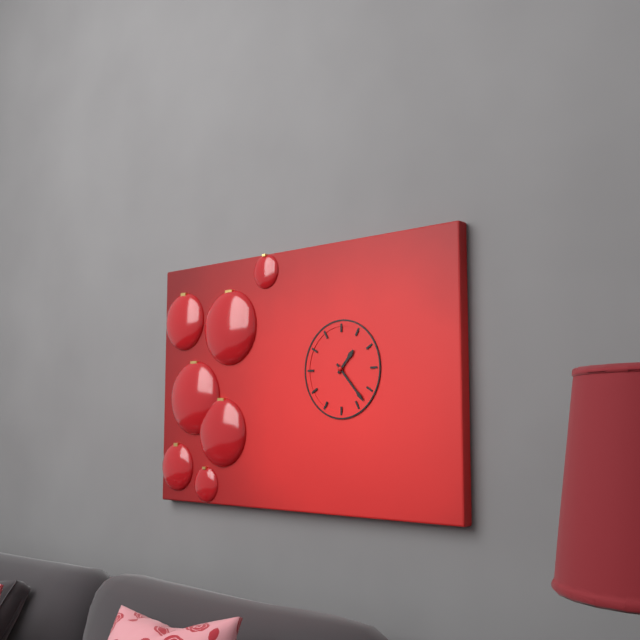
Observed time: **1:23**
